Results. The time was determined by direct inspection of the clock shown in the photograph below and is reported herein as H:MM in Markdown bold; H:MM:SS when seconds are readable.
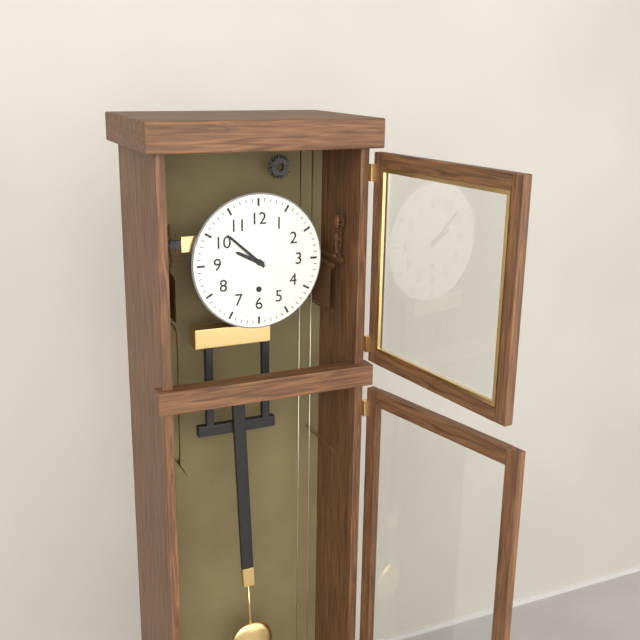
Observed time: **9:52**
